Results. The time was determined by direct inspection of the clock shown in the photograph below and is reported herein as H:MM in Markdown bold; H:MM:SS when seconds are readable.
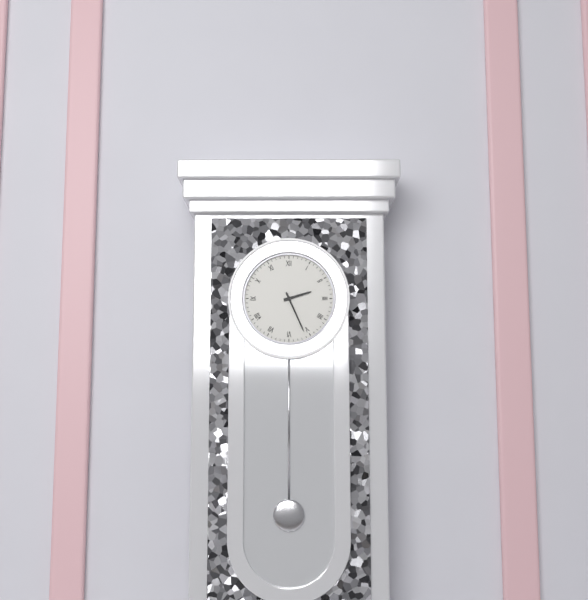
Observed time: **2:26**
